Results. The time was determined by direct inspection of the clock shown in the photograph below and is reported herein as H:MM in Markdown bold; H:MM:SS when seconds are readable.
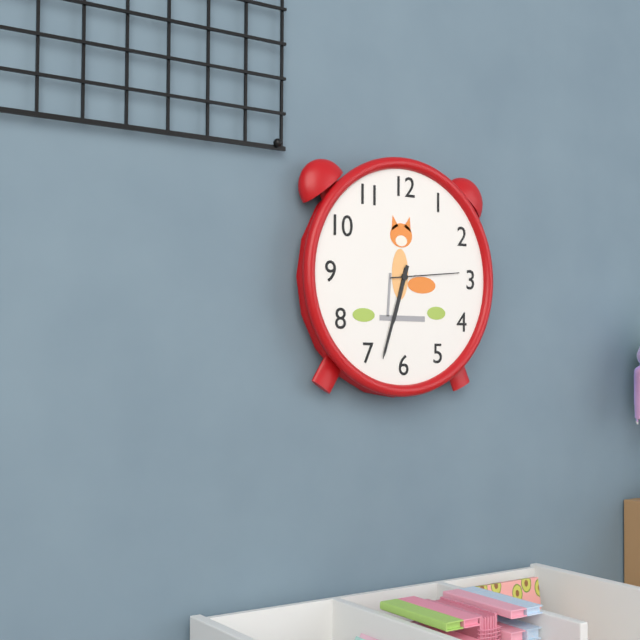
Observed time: **6:33:14**
